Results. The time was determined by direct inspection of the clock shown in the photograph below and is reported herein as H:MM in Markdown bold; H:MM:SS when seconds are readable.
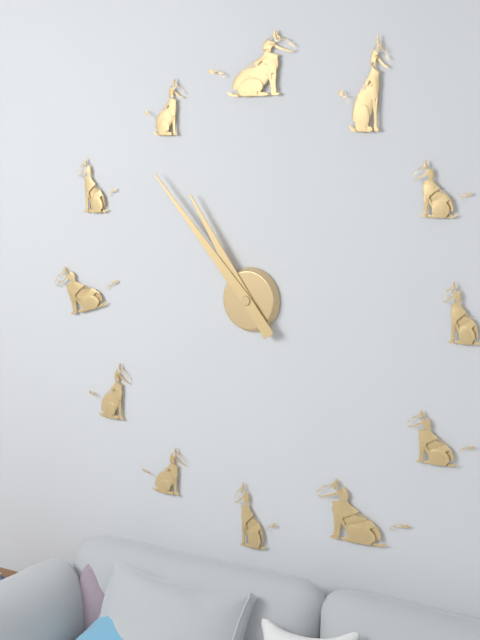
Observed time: **10:53**
